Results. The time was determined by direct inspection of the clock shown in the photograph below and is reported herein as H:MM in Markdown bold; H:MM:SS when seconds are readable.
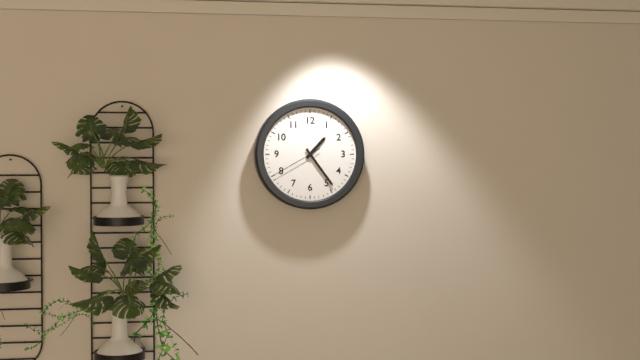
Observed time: **1:24:40**
